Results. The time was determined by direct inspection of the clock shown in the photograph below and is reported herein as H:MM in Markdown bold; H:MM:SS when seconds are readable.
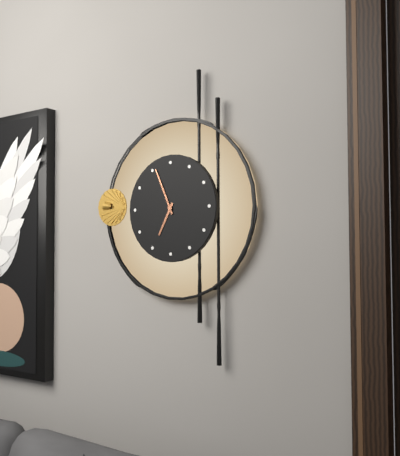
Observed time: **6:56**
